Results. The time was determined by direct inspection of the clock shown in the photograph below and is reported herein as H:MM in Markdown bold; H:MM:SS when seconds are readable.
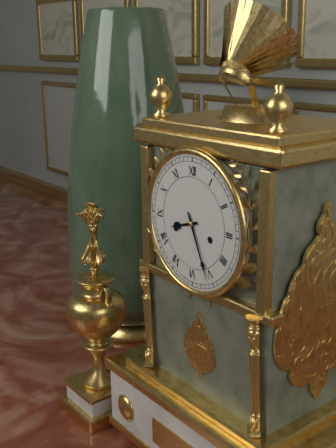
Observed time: **8:26**
